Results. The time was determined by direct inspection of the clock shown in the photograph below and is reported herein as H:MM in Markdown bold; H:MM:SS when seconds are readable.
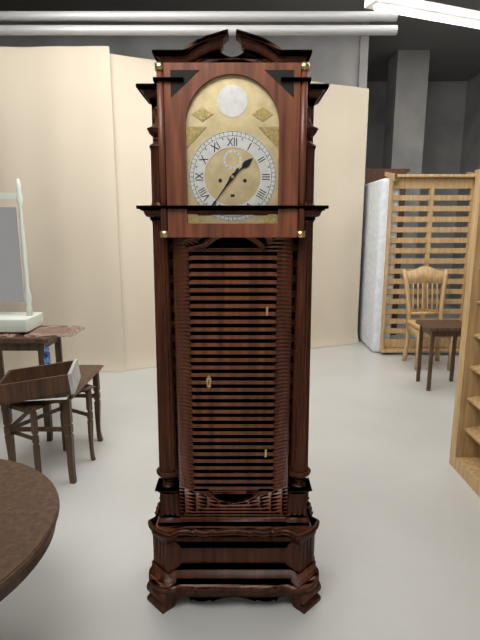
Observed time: **1:36**
